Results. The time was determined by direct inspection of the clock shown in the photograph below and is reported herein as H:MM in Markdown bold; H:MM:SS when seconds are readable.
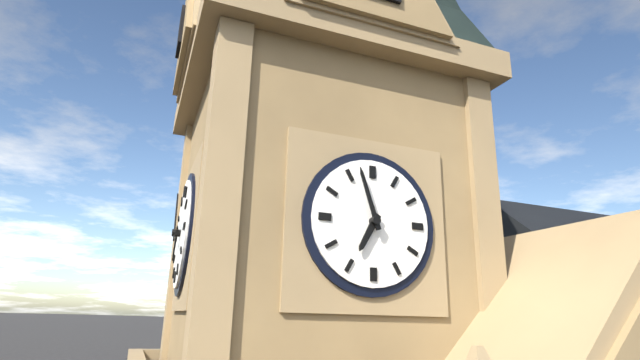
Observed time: **6:57**
